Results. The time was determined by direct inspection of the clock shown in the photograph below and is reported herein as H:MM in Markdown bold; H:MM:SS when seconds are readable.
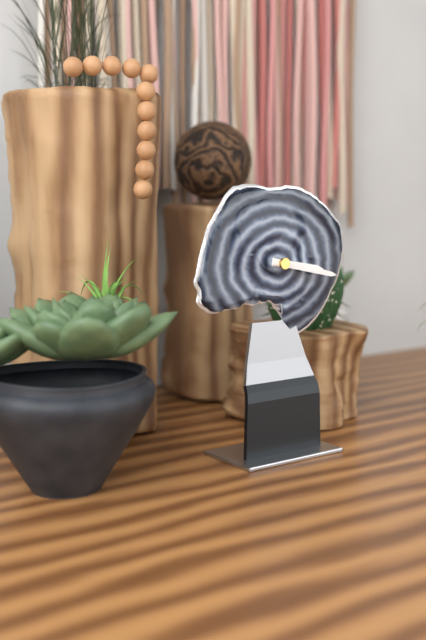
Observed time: **3:17**
